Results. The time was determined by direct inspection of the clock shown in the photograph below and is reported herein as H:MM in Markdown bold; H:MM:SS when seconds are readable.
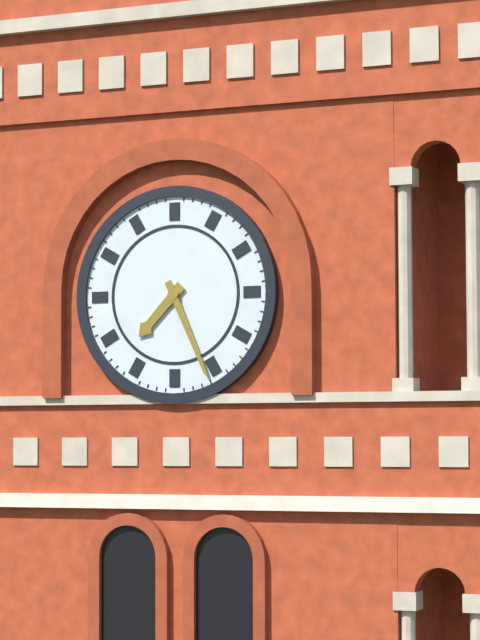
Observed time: **7:26**
